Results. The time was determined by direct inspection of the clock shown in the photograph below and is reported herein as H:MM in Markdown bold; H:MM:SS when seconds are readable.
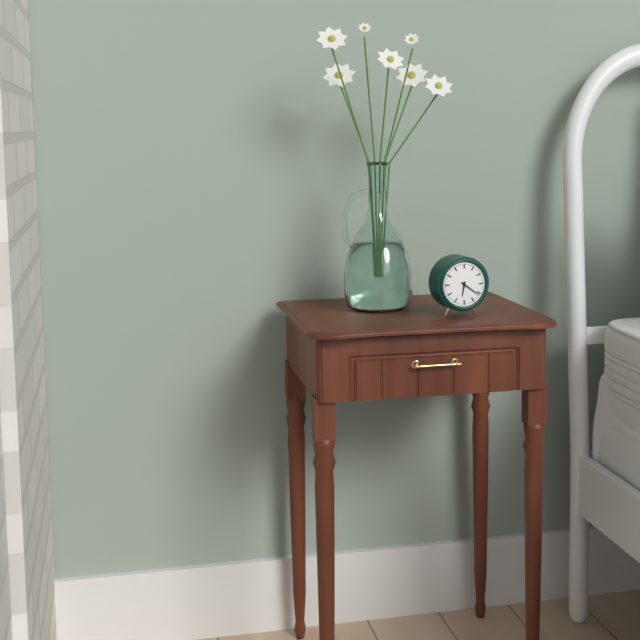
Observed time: **6:21**
